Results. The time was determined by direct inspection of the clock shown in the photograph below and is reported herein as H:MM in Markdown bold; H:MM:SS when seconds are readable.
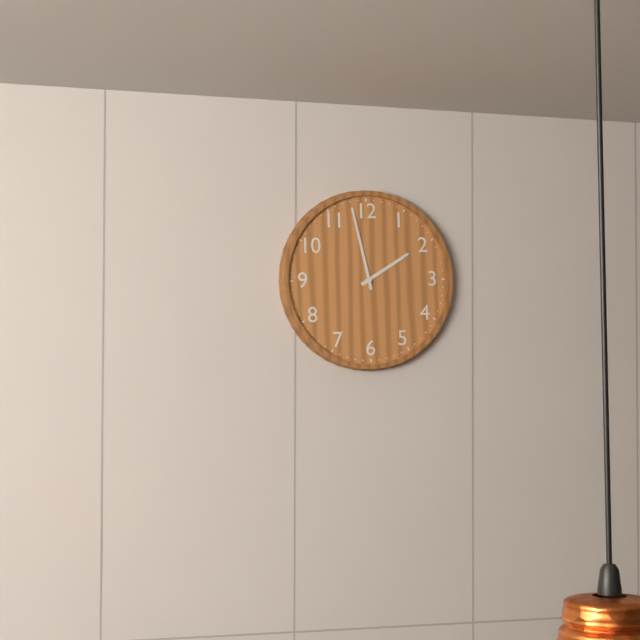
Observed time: **1:58**
